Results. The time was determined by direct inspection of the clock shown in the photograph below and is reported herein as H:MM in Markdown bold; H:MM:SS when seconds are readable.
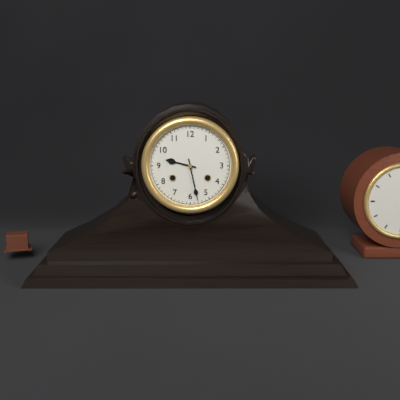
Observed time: **9:28**
